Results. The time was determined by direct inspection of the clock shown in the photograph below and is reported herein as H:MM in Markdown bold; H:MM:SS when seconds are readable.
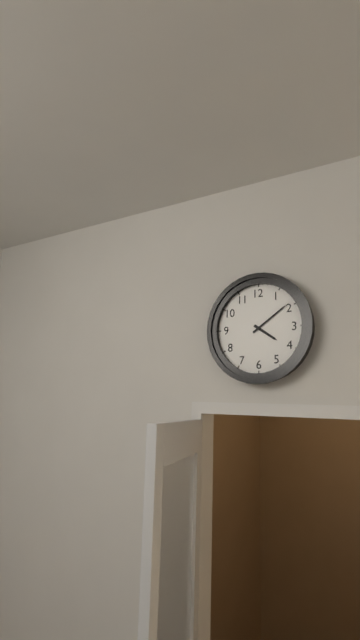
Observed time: **4:09**
